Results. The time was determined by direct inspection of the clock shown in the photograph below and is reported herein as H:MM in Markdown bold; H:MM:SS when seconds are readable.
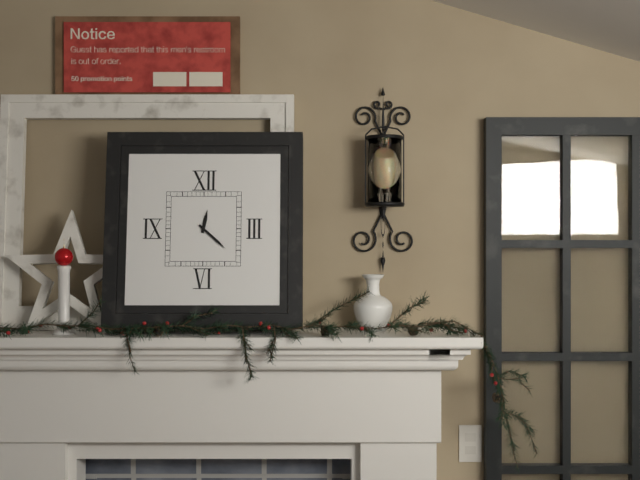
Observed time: **12:22**
